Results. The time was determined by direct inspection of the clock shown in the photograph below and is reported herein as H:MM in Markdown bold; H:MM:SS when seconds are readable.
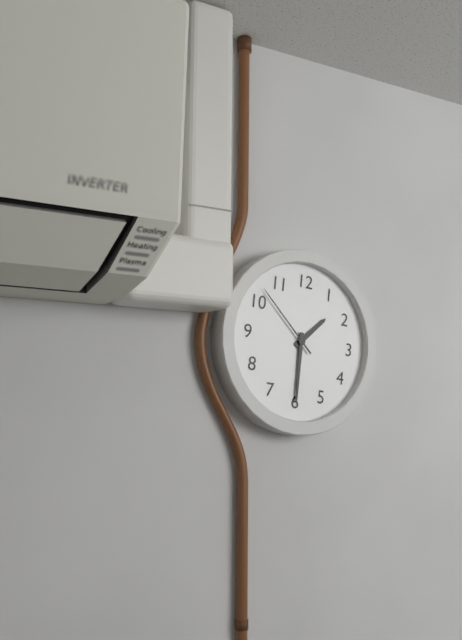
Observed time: **1:30:52**
